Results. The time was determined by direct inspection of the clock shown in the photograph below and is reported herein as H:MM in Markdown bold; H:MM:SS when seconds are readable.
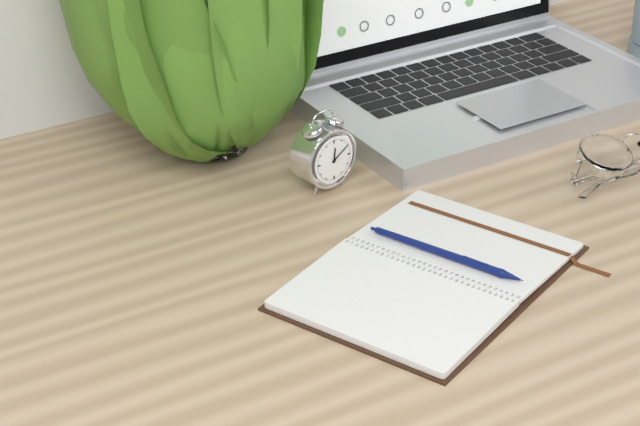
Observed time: **12:10**
